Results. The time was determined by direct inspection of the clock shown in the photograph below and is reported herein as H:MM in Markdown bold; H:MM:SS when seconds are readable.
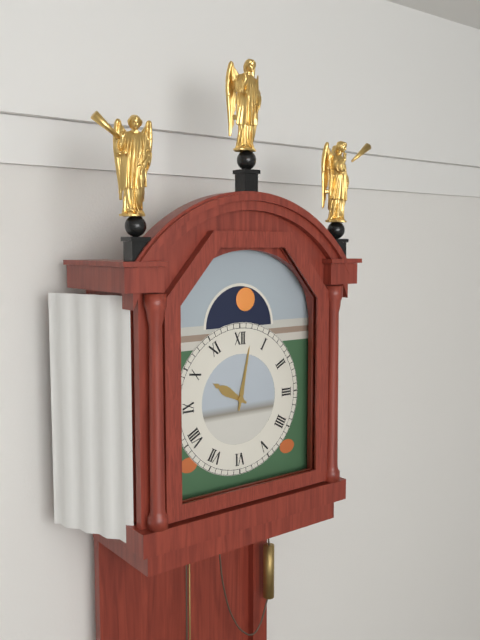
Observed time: **10:02**
